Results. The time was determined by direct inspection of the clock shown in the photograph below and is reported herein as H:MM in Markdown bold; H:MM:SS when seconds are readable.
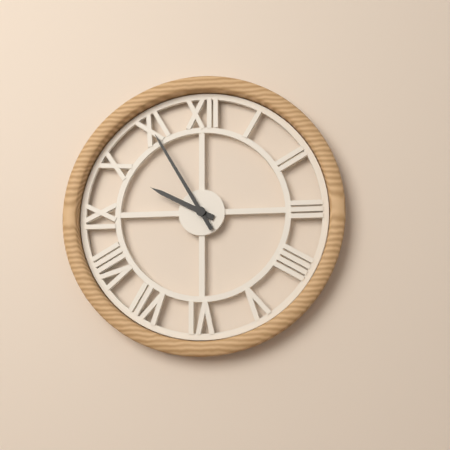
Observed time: **9:55**
